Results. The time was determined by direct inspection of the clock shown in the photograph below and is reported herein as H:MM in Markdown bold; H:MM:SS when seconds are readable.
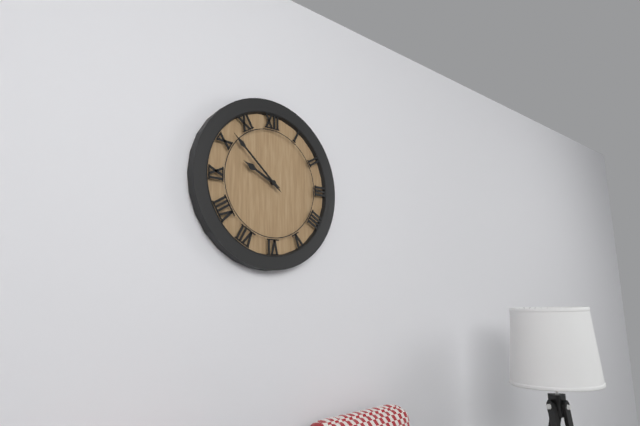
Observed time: **9:52**
